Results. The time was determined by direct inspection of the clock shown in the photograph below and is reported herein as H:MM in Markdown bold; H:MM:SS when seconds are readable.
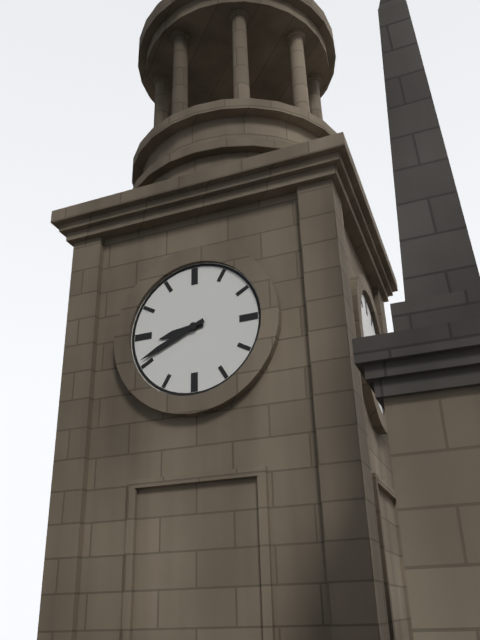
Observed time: **8:41**
